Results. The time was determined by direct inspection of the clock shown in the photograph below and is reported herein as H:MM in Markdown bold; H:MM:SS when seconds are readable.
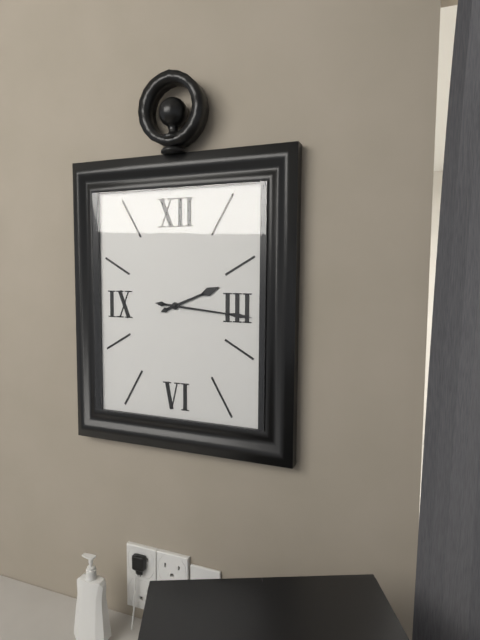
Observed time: **2:16**
